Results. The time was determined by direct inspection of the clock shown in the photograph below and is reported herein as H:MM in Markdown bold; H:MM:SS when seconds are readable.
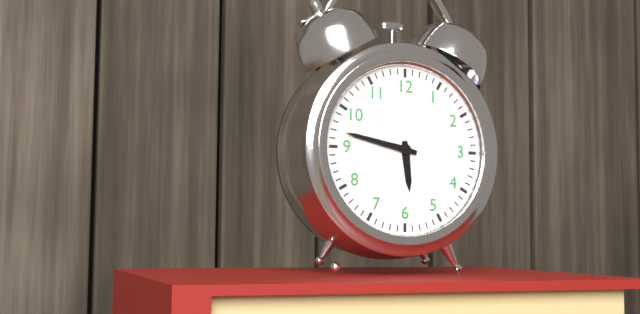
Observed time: **5:47**
